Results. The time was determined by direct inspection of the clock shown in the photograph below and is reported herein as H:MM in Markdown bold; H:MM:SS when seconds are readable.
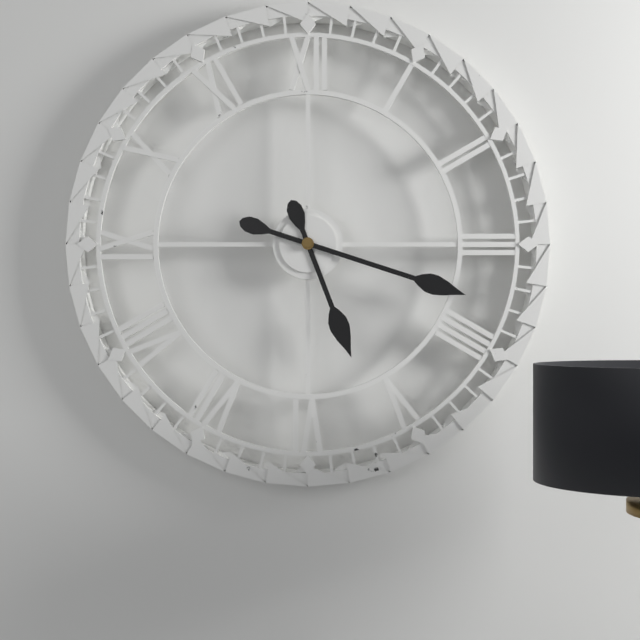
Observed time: **5:18**
